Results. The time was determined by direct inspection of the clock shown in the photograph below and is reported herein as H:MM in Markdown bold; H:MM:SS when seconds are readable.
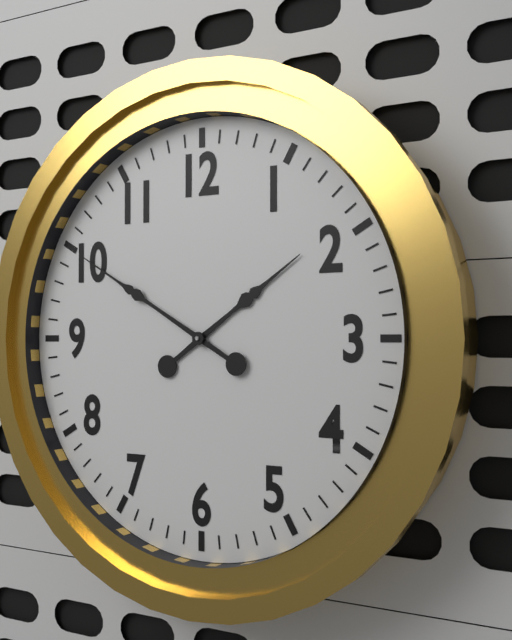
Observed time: **1:50**
